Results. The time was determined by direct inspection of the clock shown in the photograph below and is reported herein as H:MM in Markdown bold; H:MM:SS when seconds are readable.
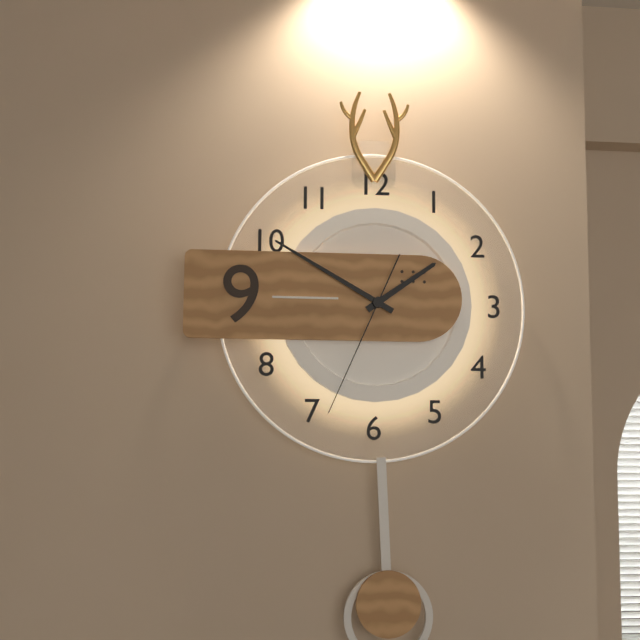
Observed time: **1:50:34**
